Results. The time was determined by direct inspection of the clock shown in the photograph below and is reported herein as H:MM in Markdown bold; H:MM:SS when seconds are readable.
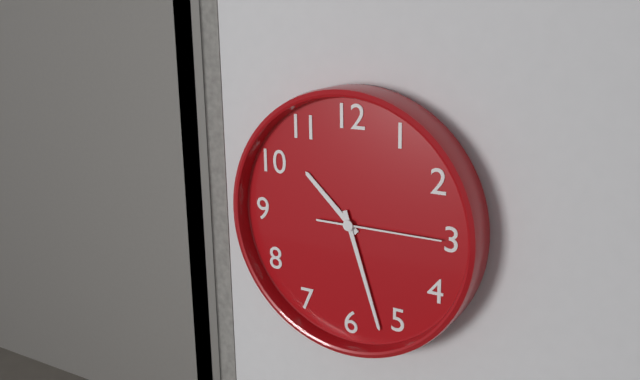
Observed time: **10:27:15**
